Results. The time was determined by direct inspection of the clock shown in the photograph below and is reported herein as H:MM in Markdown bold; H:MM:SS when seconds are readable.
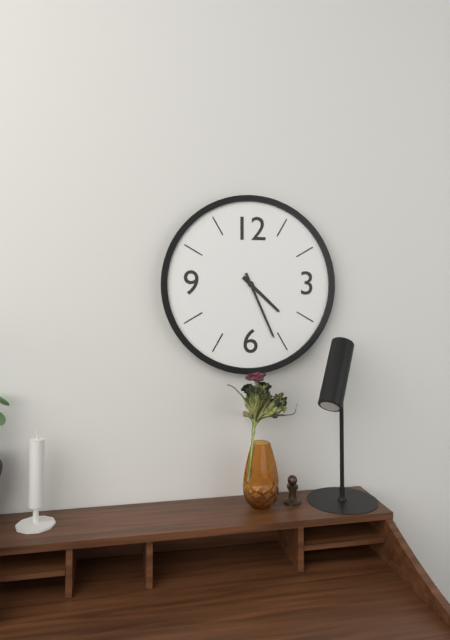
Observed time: **4:26**
